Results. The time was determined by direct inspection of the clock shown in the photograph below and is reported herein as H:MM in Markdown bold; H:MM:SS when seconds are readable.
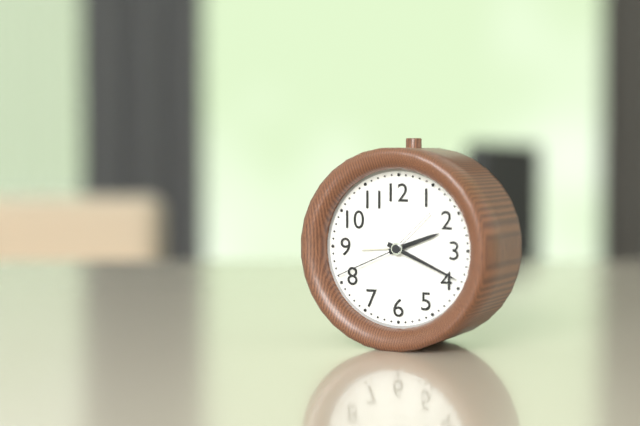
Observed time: **2:19:41**
